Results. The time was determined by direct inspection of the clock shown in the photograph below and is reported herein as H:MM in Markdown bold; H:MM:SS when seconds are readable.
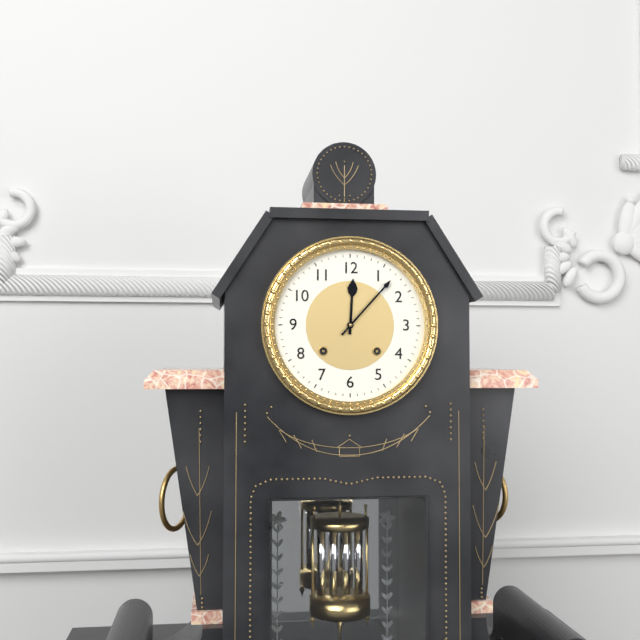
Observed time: **12:07**
